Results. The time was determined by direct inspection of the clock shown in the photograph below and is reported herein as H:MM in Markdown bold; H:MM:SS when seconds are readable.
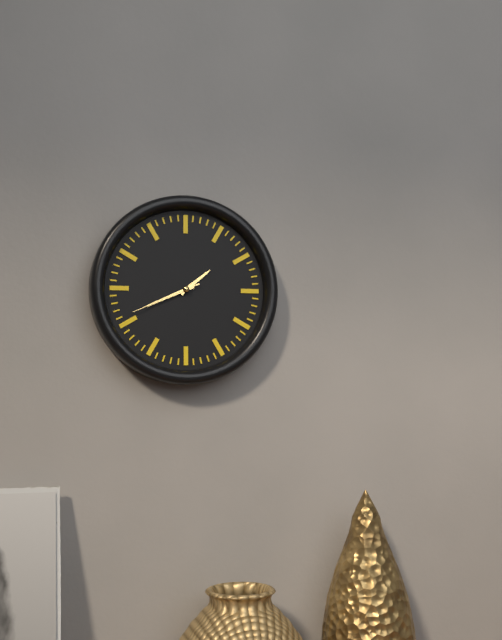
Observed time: **1:41:41**
